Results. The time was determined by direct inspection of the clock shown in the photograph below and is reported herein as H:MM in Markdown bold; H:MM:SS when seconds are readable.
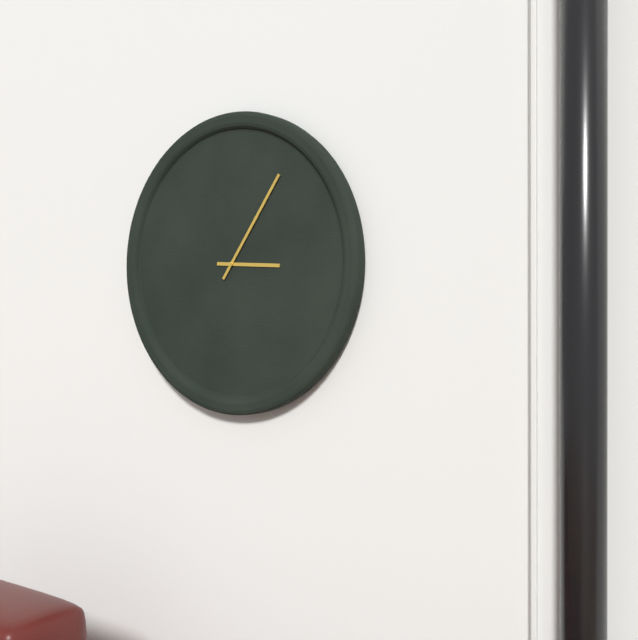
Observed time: **3:06**
